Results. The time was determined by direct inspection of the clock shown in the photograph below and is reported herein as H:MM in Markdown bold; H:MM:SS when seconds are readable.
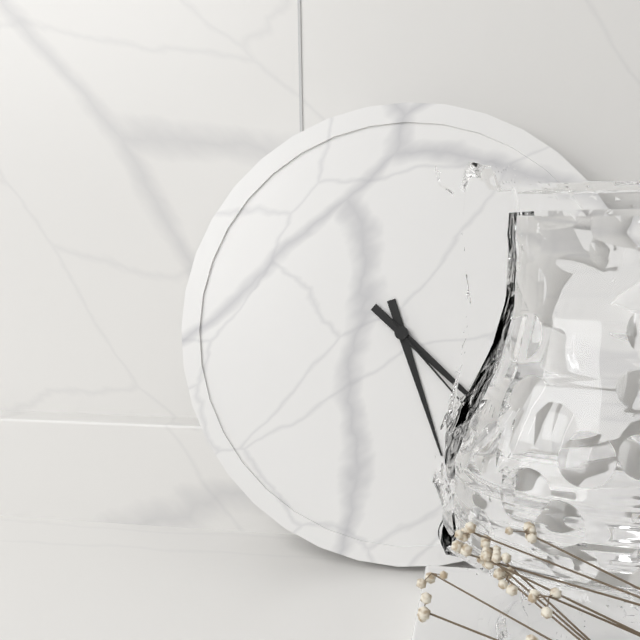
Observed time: **5:22:23**
